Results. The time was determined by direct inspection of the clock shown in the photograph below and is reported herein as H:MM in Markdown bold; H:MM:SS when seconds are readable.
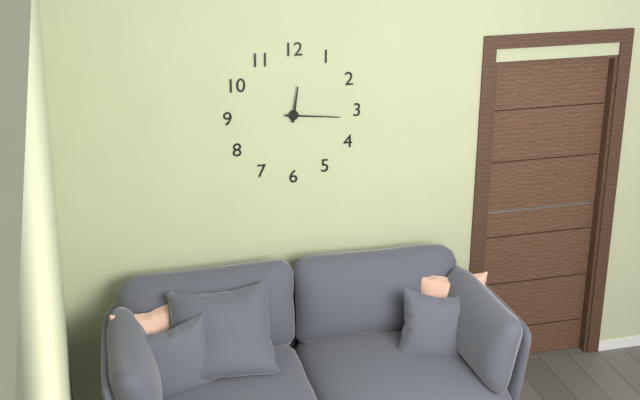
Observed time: **12:16**
